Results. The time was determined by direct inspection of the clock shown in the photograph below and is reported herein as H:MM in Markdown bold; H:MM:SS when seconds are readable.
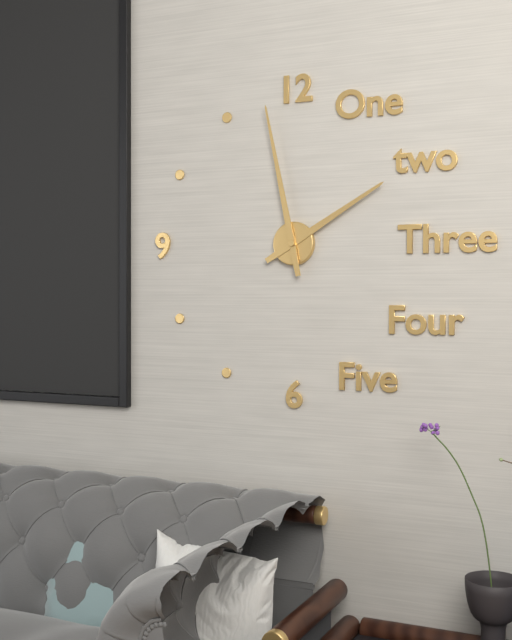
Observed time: **1:58**
